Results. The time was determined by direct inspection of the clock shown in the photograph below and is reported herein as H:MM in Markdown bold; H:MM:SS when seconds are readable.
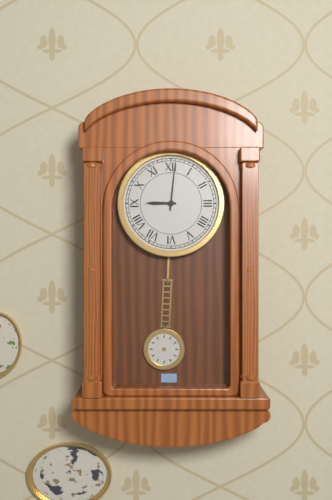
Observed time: **9:01**
